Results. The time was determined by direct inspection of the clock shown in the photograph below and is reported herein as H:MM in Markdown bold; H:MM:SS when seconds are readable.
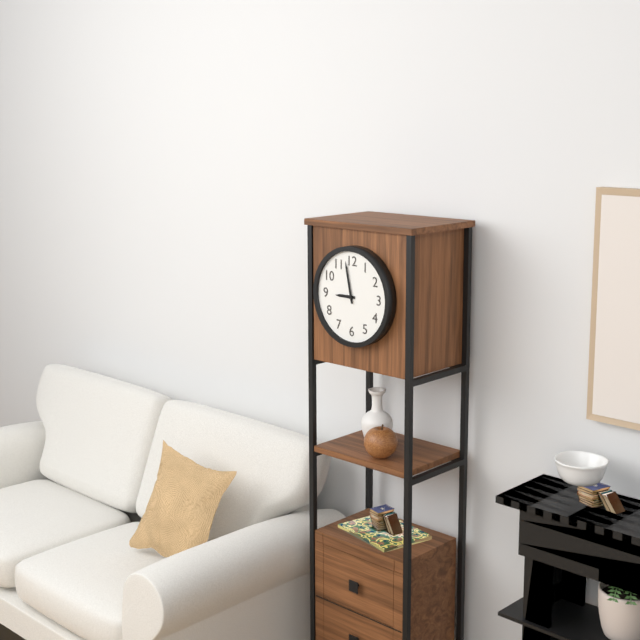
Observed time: **8:58**
